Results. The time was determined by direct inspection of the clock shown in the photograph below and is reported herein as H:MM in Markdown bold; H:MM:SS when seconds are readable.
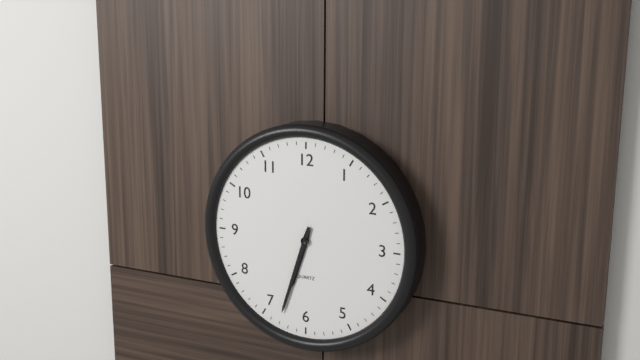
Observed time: **6:33**
